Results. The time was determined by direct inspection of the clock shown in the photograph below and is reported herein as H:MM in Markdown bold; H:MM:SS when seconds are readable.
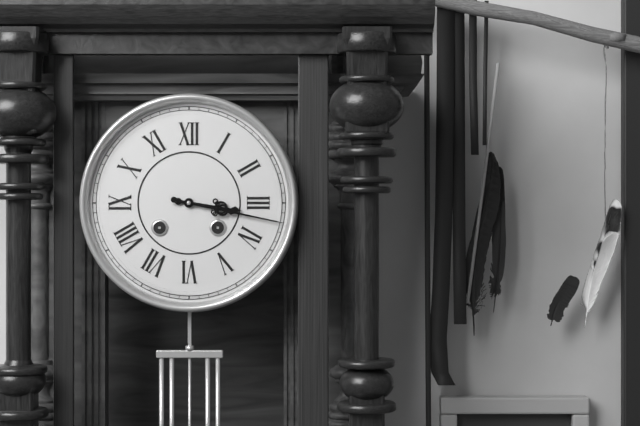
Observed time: **3:17**
